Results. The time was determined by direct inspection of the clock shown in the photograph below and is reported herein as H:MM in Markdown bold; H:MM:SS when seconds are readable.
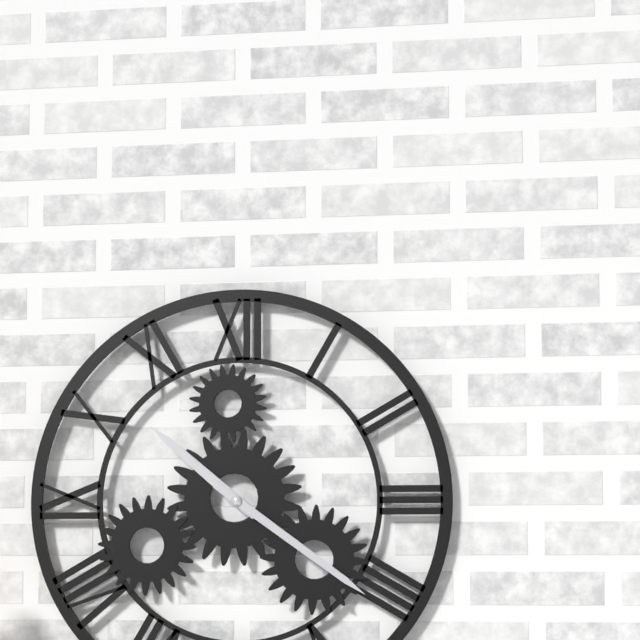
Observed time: **10:21**
